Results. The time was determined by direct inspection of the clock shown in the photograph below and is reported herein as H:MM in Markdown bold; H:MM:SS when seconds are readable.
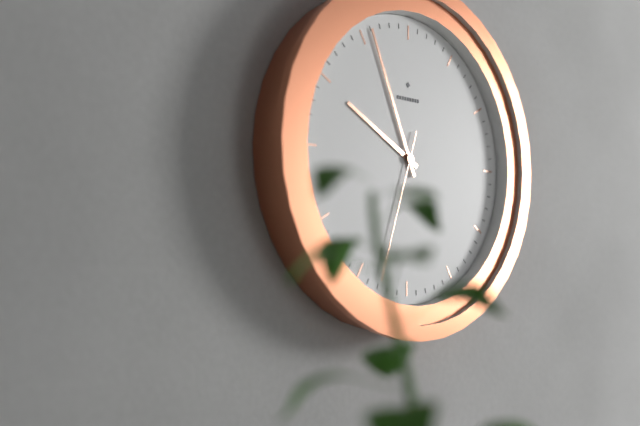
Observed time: **9:56:33**
